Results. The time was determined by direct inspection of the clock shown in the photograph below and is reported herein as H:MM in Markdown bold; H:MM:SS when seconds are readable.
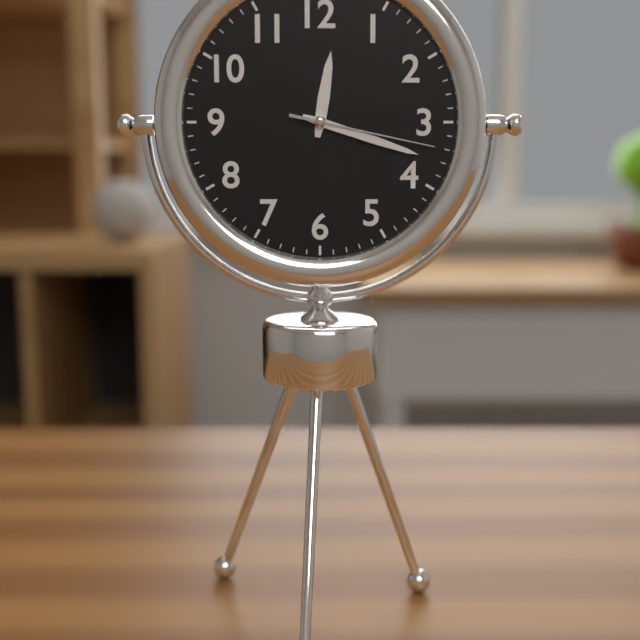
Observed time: **12:18:17**
